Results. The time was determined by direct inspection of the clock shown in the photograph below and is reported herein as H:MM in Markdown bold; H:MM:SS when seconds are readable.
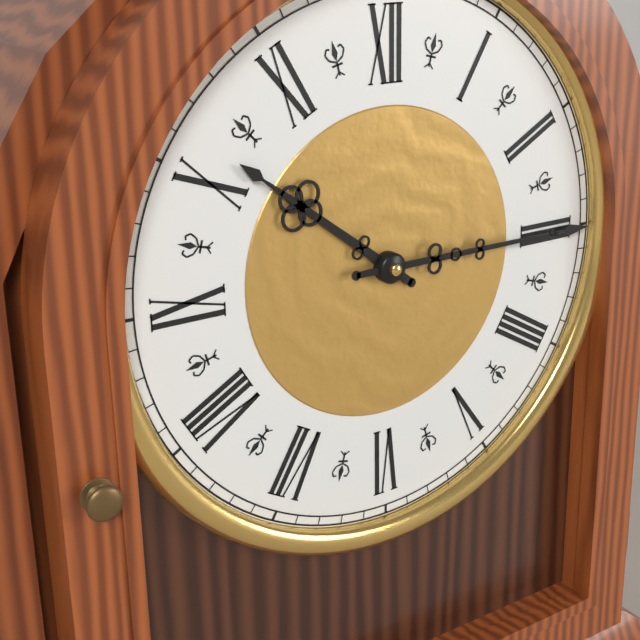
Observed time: **10:15**
